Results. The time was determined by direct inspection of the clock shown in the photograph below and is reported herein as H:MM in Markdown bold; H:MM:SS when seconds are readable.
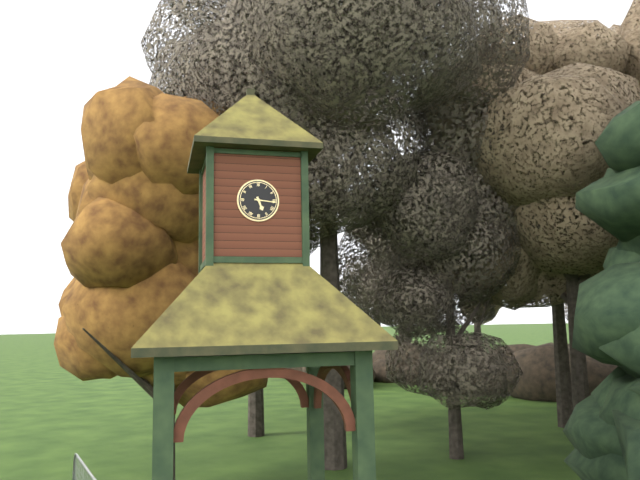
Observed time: **5:16**
